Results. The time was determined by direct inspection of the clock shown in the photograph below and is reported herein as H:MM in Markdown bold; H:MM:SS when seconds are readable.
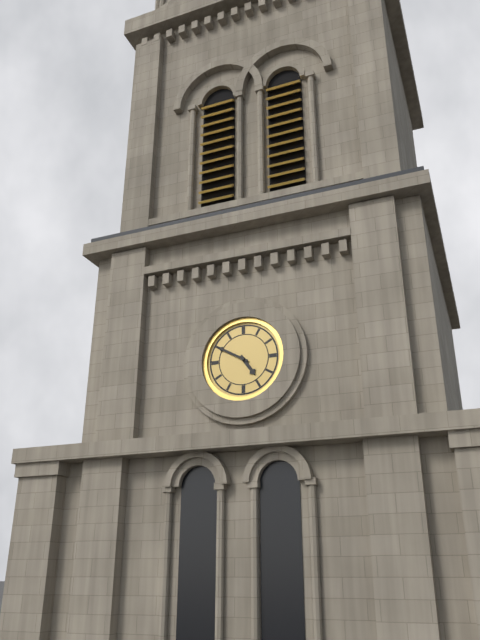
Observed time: **4:50**
